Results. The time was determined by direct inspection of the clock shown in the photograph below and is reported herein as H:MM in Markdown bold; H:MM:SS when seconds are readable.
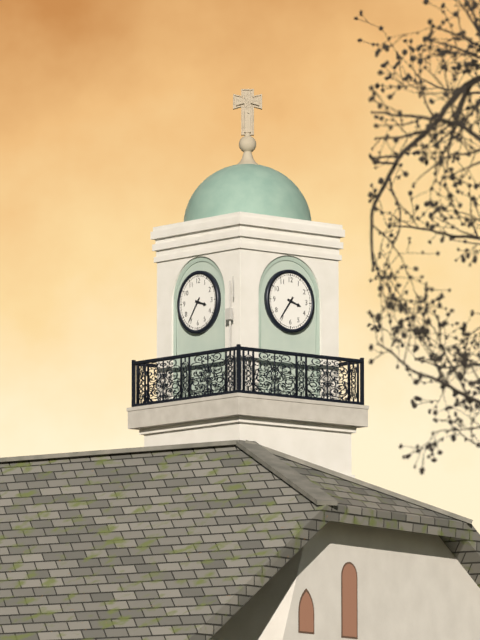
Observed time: **3:36**
